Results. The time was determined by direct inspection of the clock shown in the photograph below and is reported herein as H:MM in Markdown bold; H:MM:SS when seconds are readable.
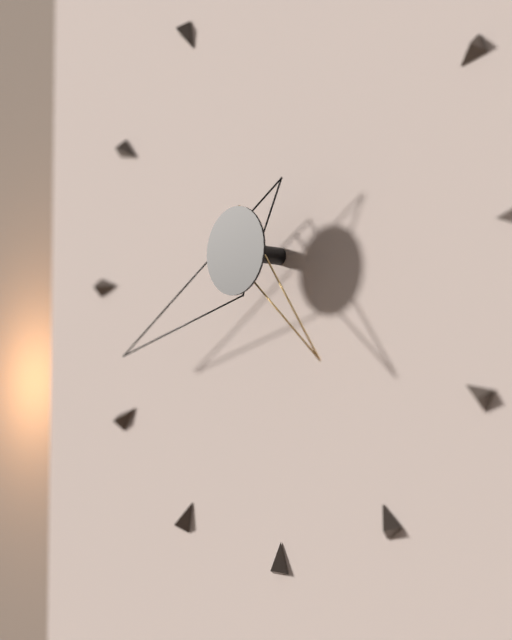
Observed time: **4:41**
